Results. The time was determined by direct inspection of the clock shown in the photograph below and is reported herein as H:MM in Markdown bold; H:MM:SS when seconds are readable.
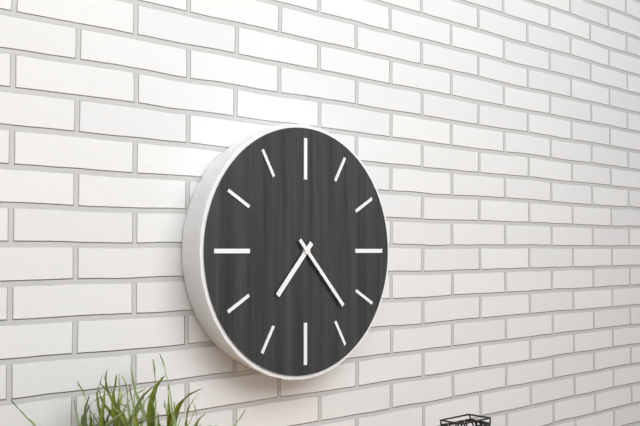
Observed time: **7:23**
